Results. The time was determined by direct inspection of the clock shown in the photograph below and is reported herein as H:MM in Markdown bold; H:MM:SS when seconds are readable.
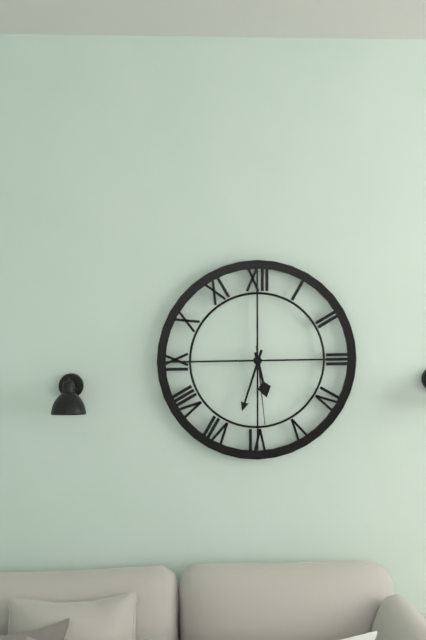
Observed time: **5:33:29**
